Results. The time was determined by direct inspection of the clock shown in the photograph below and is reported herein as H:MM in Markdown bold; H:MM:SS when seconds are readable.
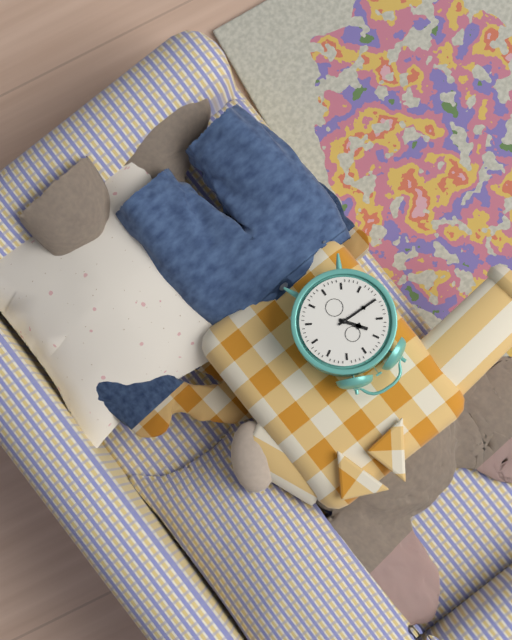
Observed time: **10:45**
